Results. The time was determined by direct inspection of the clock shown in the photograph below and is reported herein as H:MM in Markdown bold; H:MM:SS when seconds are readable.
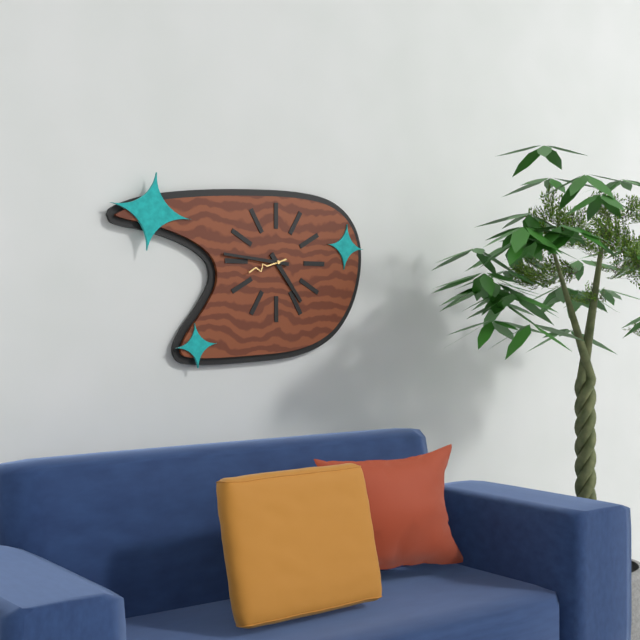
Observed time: **4:46**
